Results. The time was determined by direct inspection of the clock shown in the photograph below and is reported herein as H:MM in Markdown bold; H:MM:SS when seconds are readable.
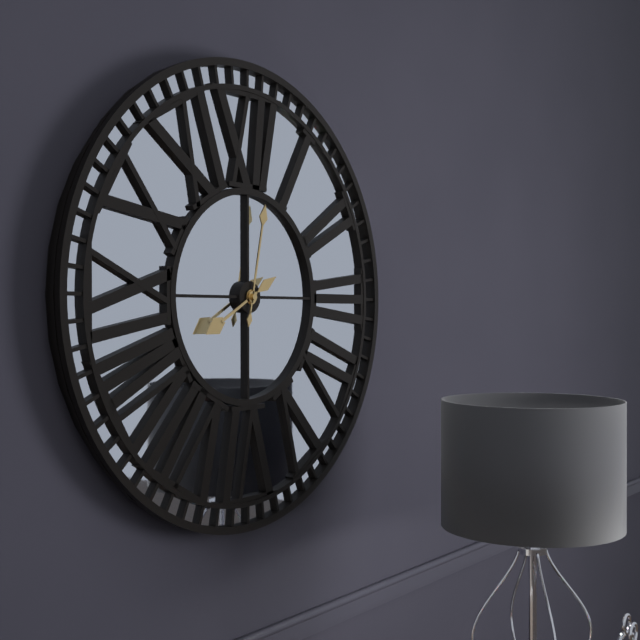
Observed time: **8:02**
